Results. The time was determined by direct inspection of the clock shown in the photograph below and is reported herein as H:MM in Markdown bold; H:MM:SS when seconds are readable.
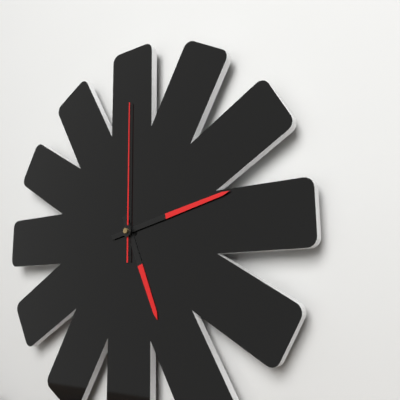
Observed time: **5:13:00**
